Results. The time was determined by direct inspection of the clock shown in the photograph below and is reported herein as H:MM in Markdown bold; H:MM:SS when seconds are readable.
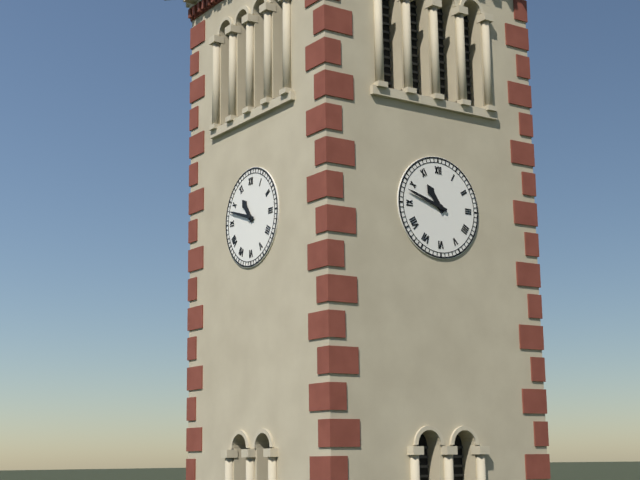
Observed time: **10:48**
